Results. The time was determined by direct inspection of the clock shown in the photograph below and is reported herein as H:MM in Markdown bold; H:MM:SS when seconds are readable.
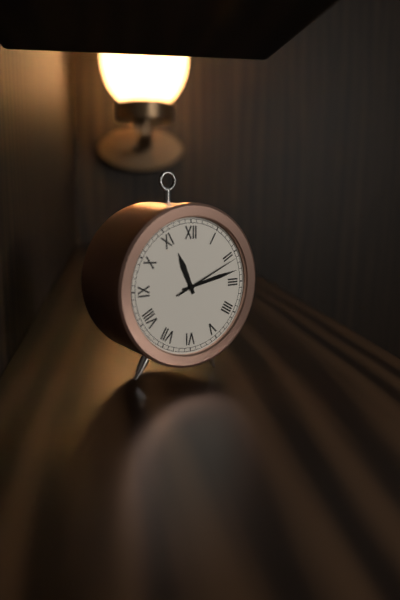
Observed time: **11:13:11**
